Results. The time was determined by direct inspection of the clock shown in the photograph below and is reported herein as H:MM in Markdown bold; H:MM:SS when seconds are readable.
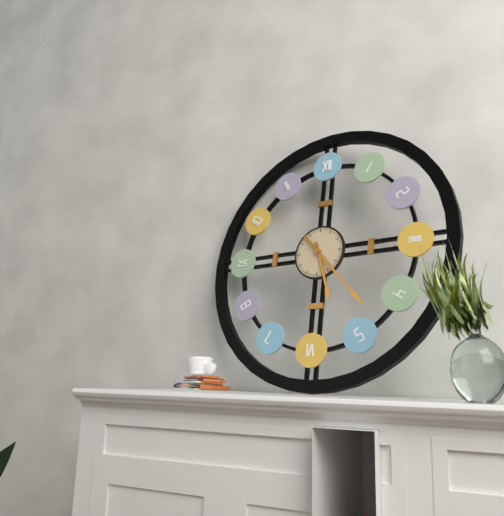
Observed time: **5:23**
